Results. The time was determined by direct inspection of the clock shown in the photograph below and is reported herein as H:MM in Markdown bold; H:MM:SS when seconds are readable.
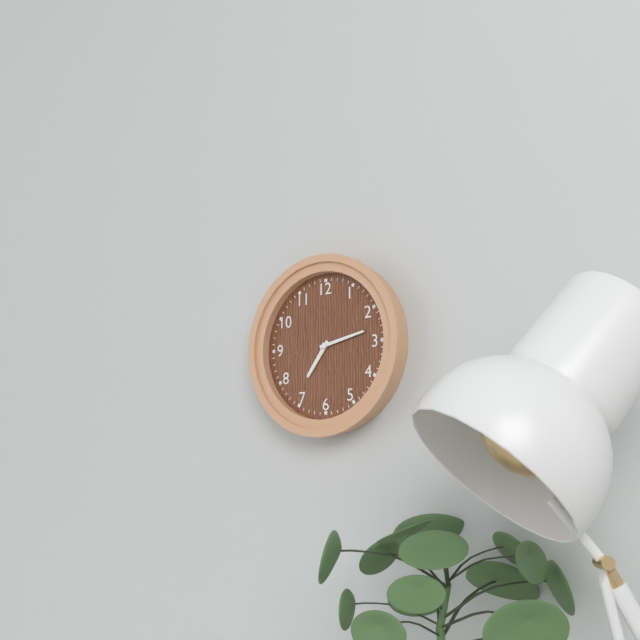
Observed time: **7:13**
